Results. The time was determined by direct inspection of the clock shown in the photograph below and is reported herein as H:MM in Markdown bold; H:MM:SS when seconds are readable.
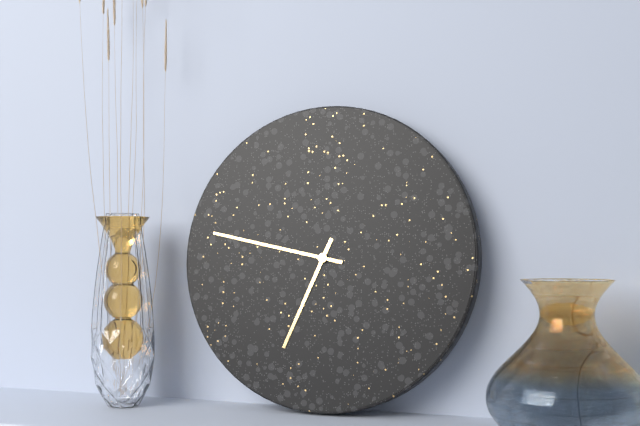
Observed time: **6:47**
